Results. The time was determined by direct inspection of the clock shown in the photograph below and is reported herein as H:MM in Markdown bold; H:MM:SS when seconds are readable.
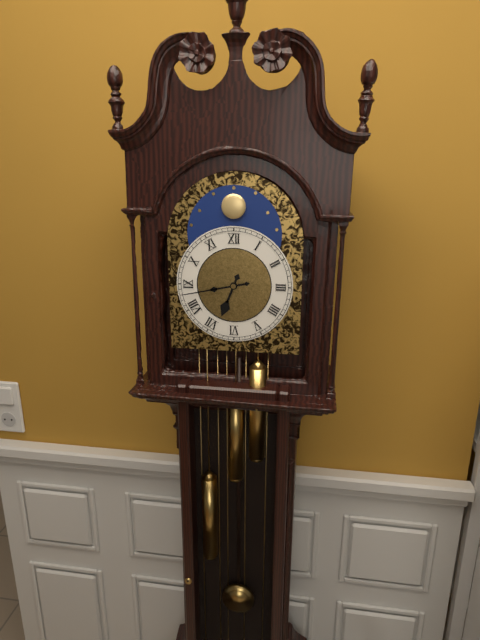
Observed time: **6:43**
